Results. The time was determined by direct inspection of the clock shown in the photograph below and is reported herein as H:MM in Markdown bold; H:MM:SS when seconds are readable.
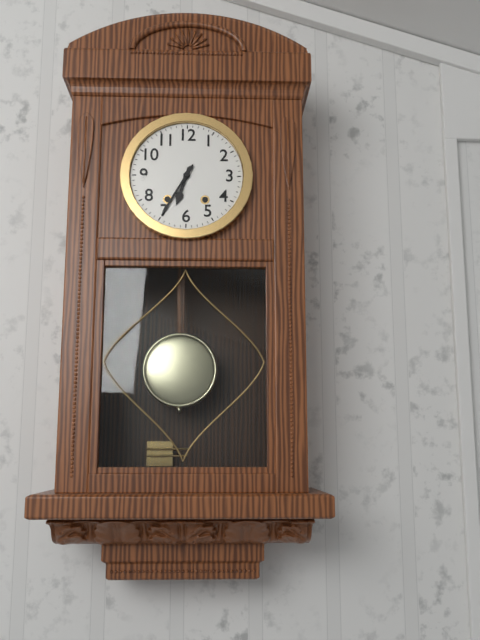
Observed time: **6:35**
